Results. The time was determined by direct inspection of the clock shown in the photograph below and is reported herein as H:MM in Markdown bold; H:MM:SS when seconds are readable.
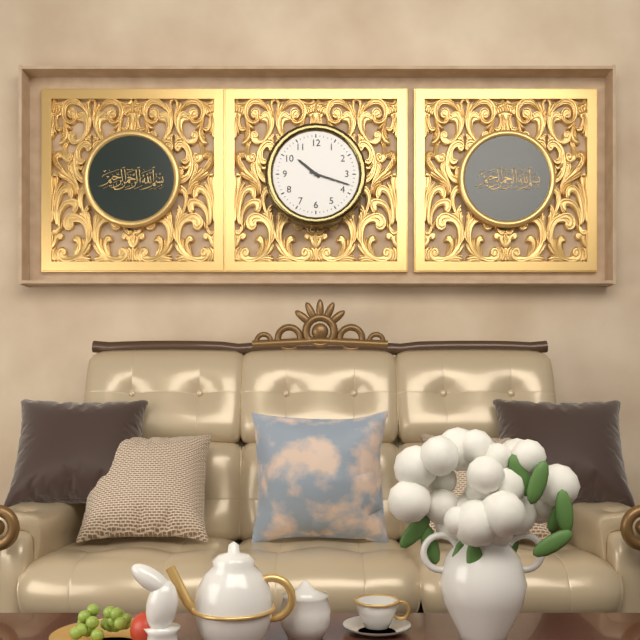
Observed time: **10:18**
